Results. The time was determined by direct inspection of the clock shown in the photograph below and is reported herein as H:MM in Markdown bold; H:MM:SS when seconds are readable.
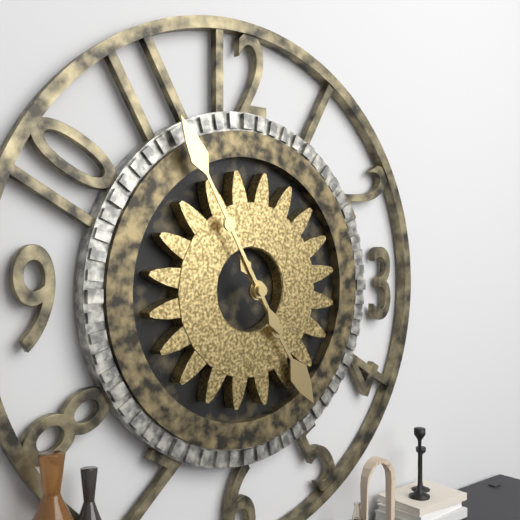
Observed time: **4:55**
